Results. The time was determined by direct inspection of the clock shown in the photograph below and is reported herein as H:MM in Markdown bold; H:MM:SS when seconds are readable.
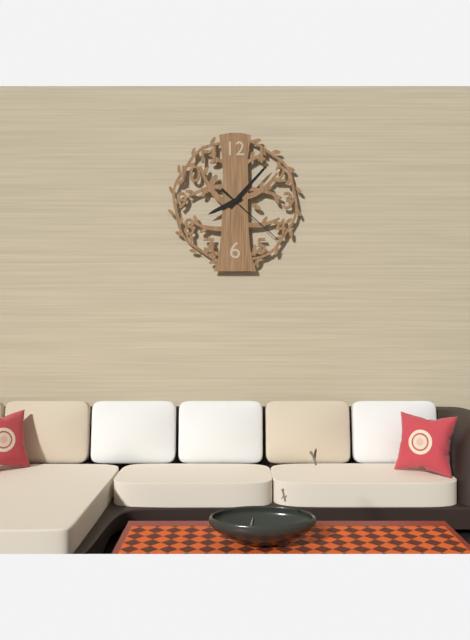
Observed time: **8:07:22**
